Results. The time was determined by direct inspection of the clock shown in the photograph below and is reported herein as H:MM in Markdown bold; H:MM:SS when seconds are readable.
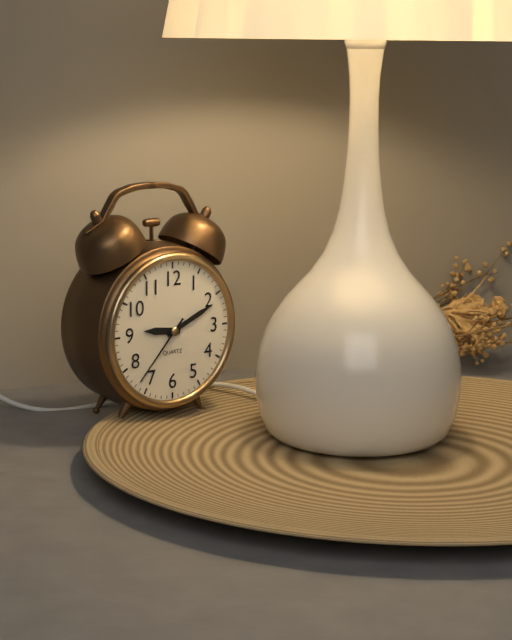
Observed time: **9:11:37**
